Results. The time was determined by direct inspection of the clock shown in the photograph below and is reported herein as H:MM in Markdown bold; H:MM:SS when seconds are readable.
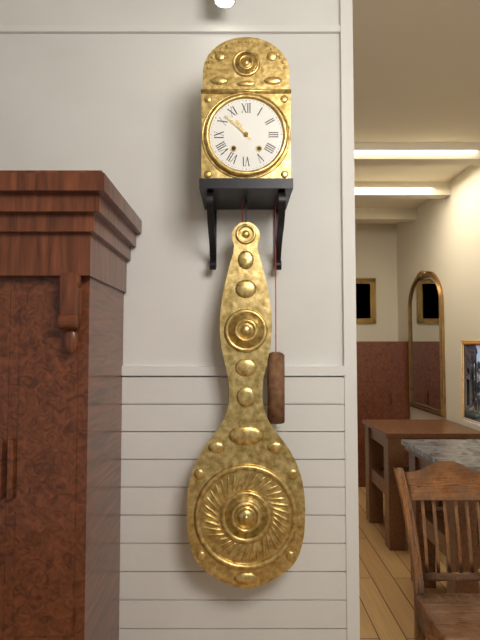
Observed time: **10:52**
